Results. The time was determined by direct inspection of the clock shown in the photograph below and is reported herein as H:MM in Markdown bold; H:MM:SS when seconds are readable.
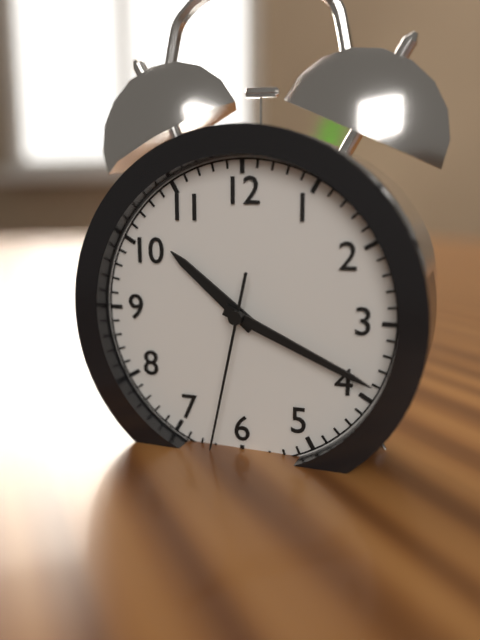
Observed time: **10:19:32**
